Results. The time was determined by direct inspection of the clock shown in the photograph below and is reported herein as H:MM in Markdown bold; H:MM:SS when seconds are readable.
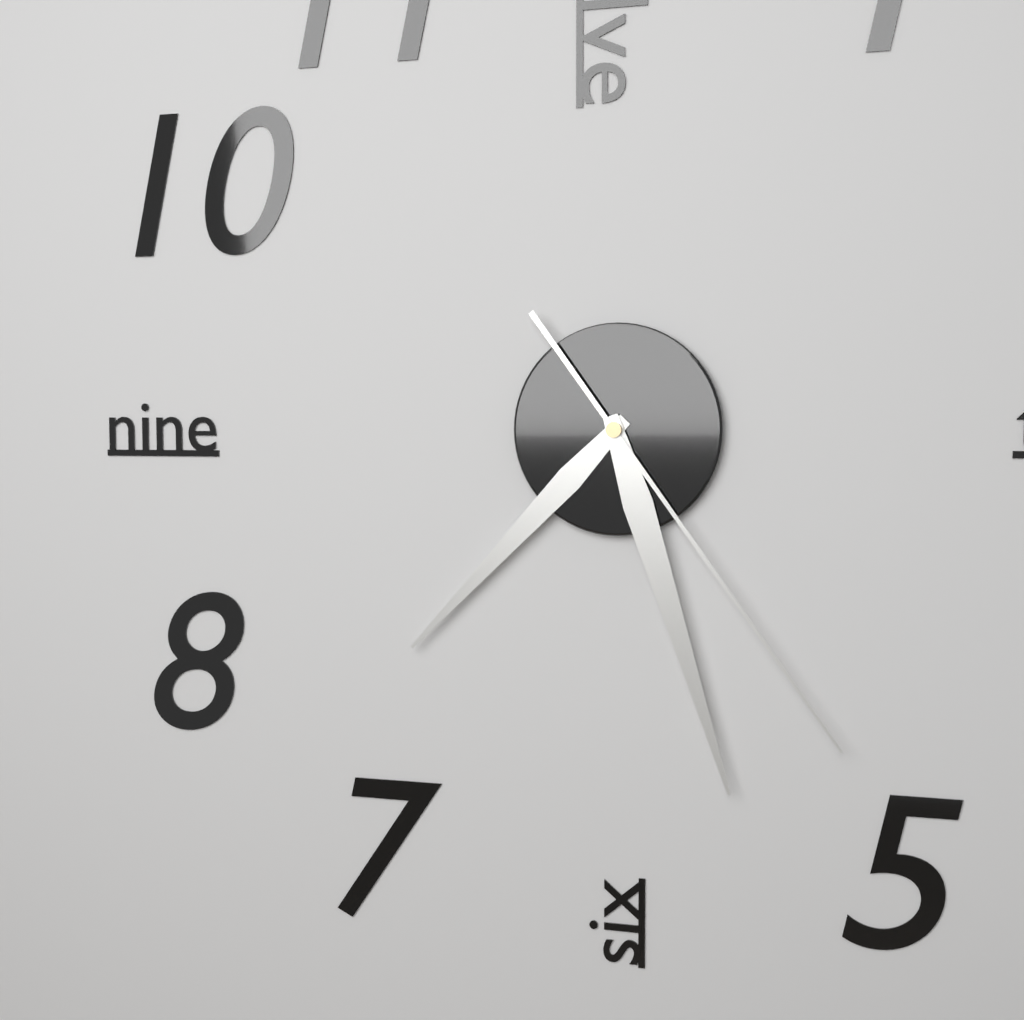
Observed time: **7:27:24**
